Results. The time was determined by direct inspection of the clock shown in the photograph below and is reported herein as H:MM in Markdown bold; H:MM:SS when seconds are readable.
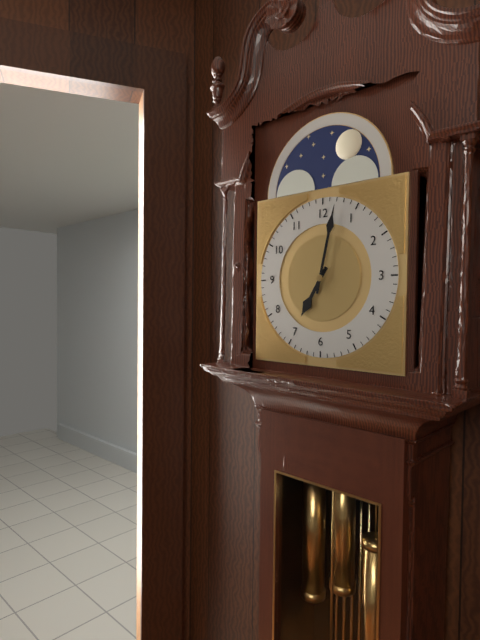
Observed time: **7:02**
